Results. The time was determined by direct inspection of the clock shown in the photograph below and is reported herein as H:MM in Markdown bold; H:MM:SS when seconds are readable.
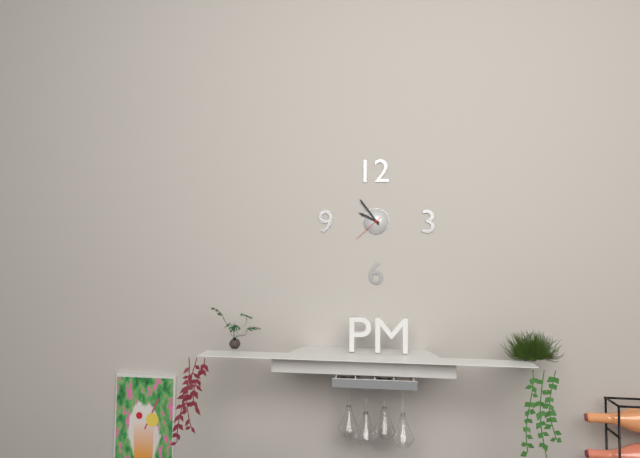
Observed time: **9:54**
